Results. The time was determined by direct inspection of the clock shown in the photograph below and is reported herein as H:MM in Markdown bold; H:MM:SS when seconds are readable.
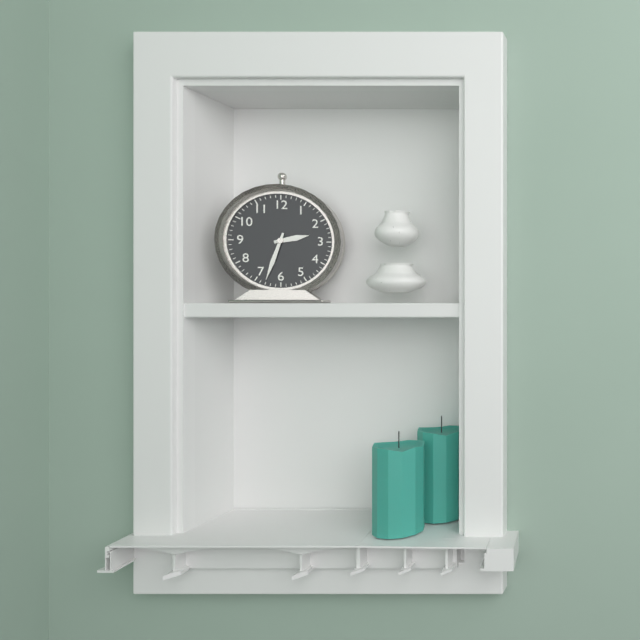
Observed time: **2:33**
